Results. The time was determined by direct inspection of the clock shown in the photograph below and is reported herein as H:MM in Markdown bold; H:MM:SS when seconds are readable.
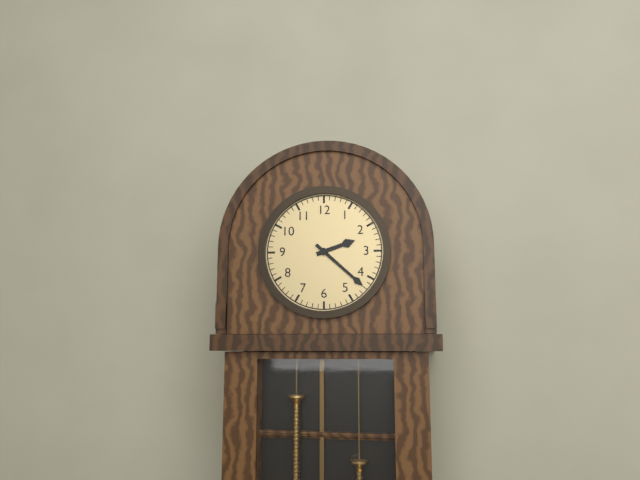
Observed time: **2:22**
